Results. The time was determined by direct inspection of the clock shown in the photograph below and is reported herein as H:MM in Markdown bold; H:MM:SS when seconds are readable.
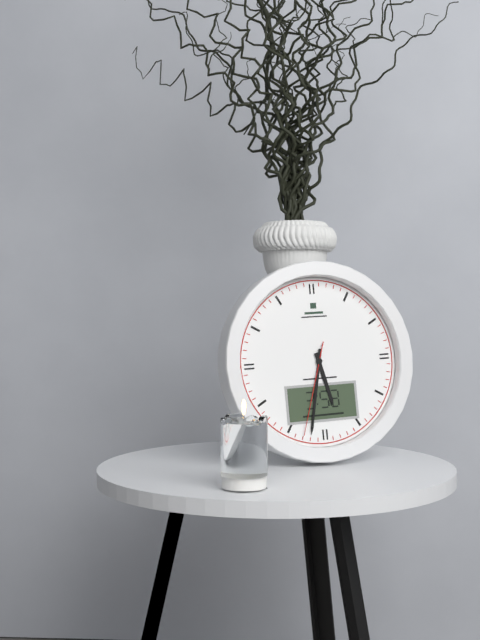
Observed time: **5:32:33**
